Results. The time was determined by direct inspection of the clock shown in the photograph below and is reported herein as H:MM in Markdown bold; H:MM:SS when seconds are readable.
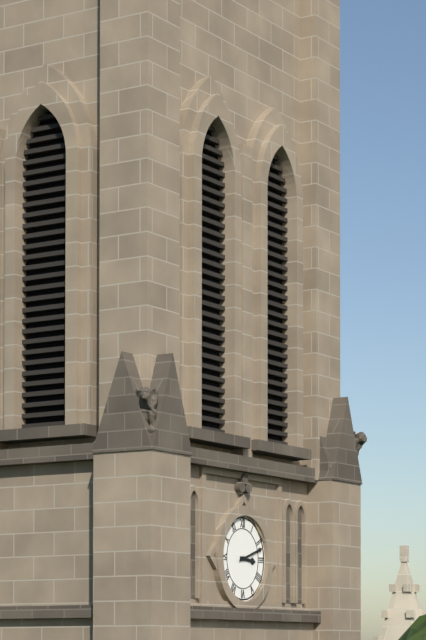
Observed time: **3:12**
